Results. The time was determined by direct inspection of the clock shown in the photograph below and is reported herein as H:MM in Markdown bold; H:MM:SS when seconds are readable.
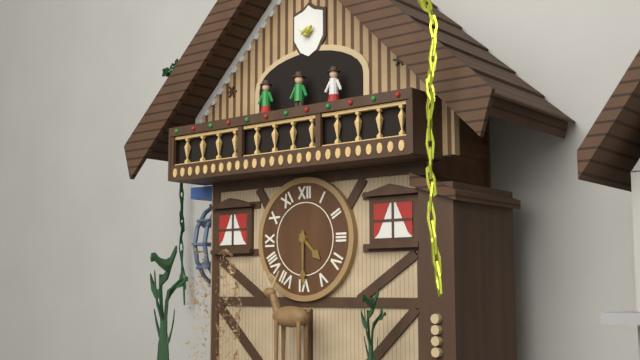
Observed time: **4:30**
